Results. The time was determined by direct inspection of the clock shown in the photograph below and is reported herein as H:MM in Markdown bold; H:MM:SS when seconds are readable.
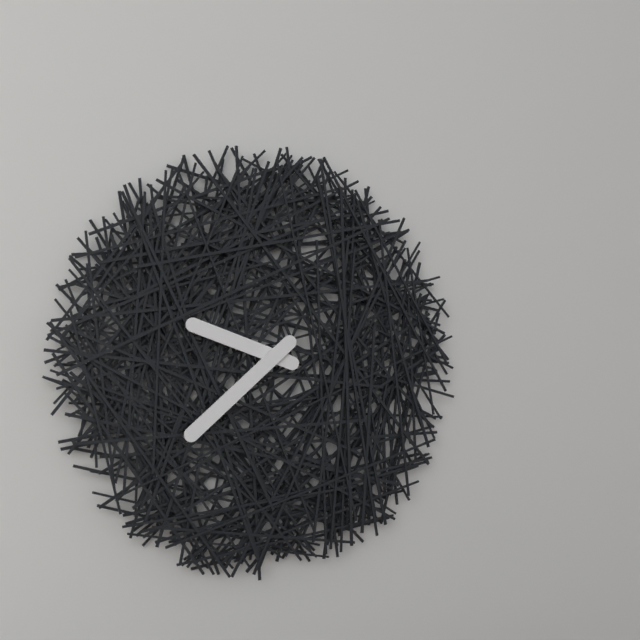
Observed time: **9:38**
